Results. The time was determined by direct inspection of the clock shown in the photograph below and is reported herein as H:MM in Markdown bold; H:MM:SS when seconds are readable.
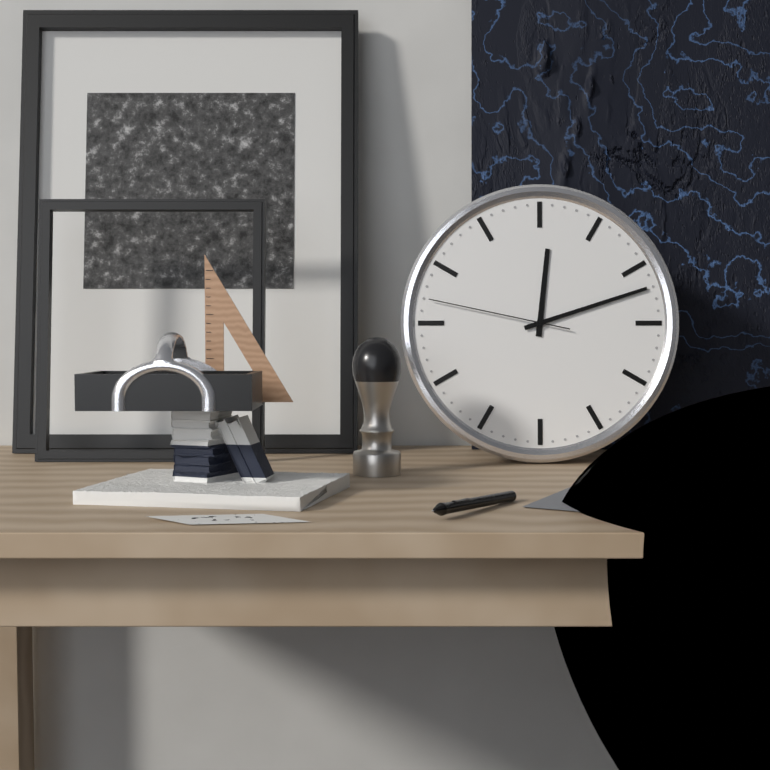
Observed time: **12:12:47**
